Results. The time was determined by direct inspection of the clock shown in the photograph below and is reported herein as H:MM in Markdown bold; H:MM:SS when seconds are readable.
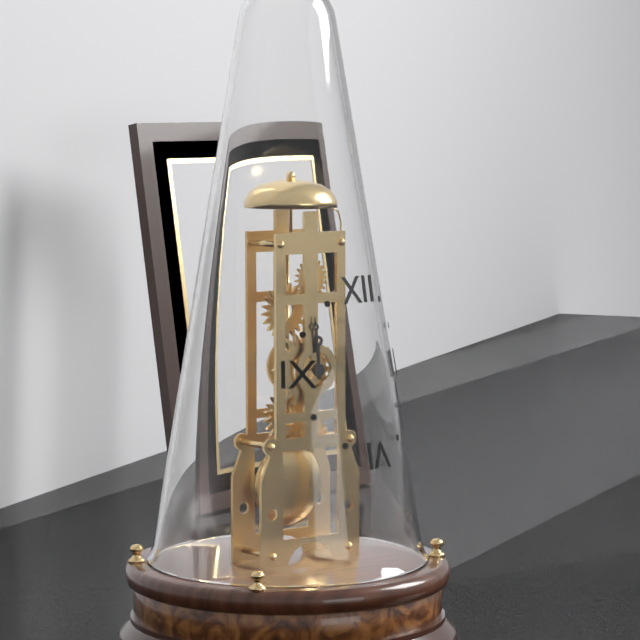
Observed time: **11:59**
